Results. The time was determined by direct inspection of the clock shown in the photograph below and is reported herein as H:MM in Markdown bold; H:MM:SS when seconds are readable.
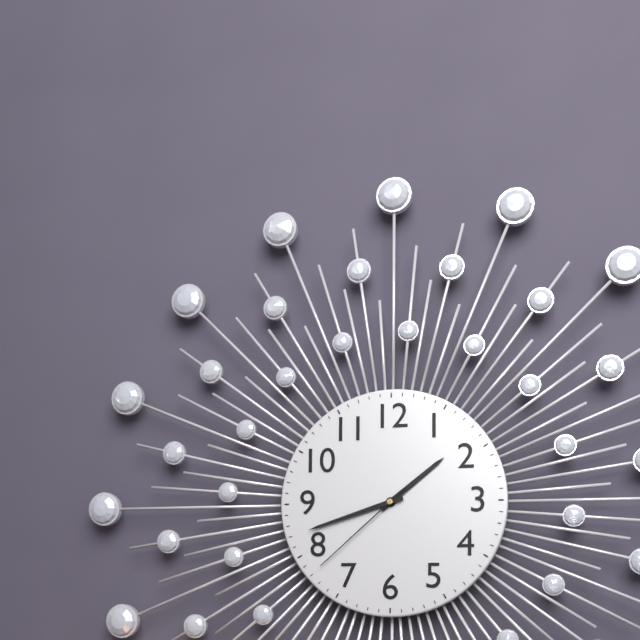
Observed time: **1:42:38**
